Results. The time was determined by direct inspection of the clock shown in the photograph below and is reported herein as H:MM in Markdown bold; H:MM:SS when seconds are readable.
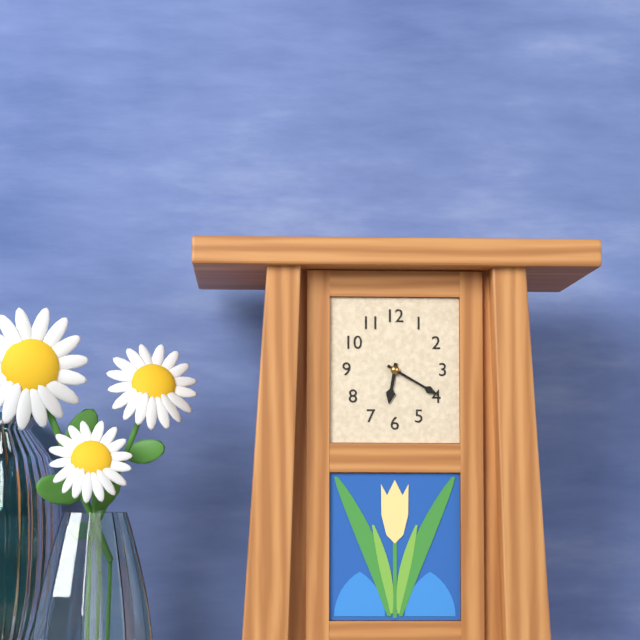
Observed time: **6:20**
